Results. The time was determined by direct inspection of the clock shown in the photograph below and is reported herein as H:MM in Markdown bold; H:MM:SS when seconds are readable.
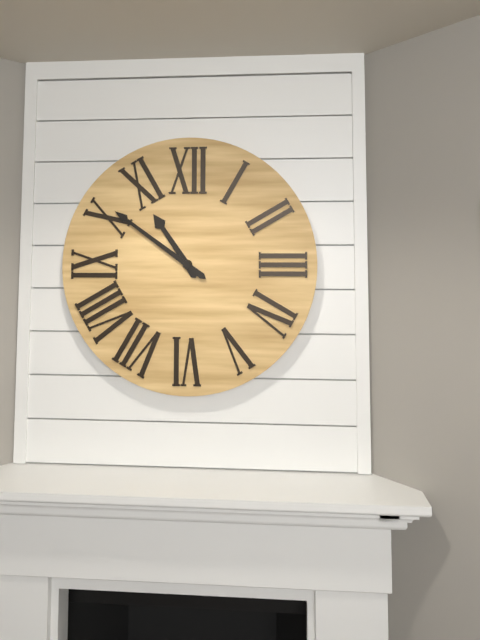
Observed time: **10:51**
